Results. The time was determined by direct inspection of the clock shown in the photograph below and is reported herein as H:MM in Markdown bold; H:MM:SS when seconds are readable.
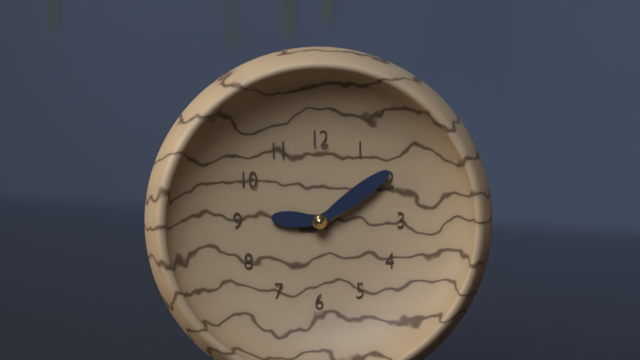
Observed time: **9:09**
